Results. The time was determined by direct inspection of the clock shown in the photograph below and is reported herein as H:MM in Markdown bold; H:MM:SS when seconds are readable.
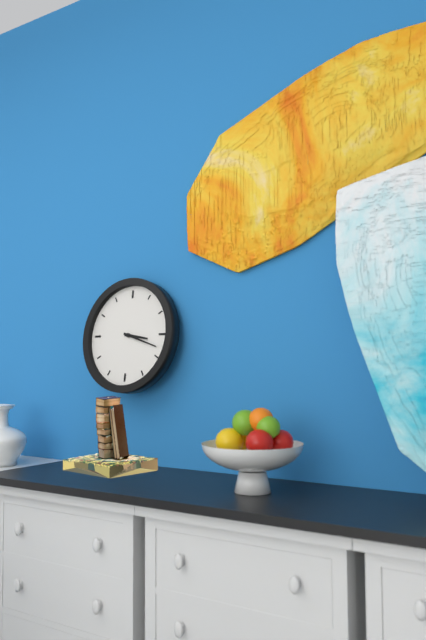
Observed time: **3:18**
